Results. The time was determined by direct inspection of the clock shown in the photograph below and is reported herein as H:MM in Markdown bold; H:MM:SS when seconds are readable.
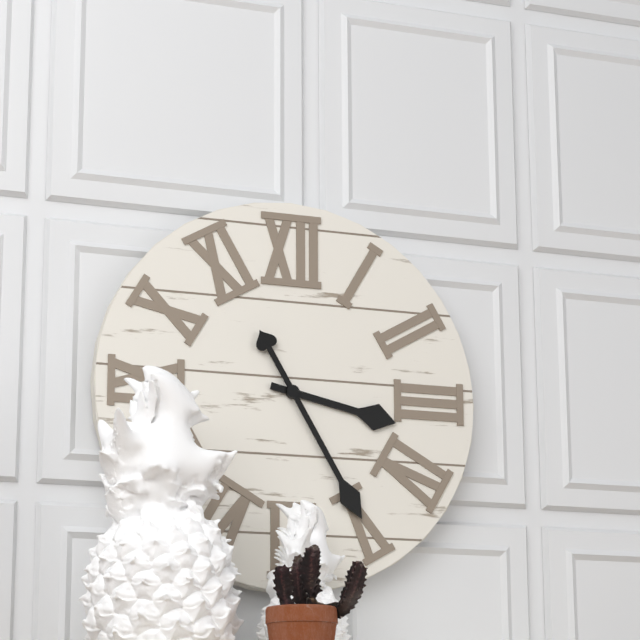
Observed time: **3:25**
